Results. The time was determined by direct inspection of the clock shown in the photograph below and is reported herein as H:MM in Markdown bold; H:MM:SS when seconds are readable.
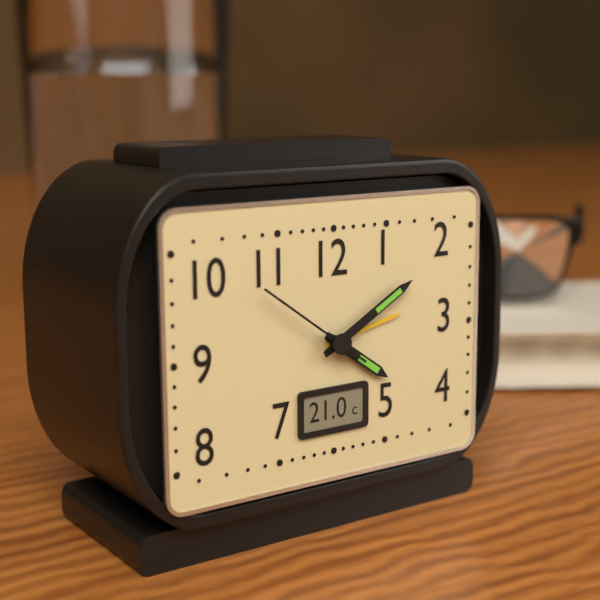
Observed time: **4:10:51**
